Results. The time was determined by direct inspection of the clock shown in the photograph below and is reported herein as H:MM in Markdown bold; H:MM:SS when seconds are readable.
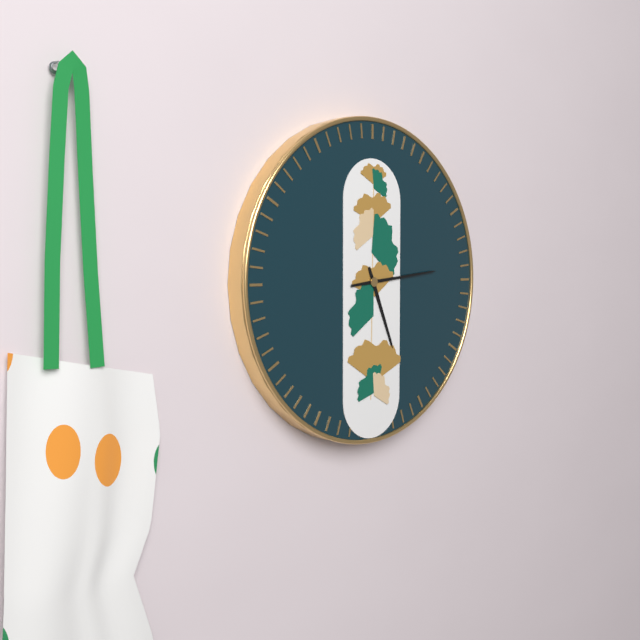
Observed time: **5:14**
